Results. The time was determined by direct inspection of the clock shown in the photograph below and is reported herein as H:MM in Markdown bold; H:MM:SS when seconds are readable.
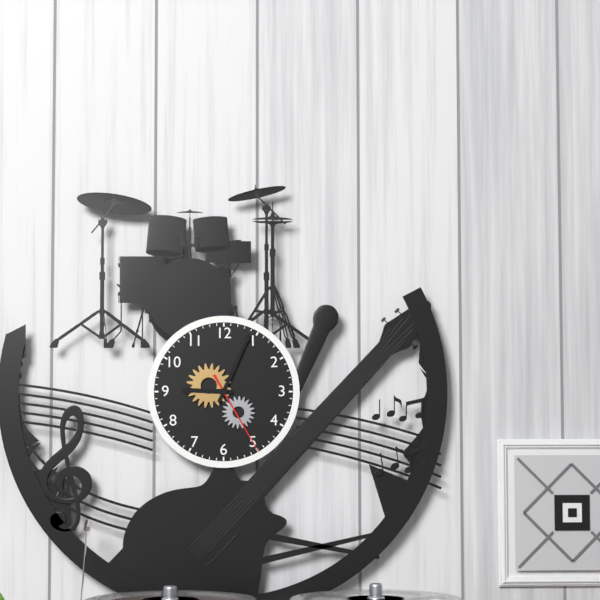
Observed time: **9:04:25**
